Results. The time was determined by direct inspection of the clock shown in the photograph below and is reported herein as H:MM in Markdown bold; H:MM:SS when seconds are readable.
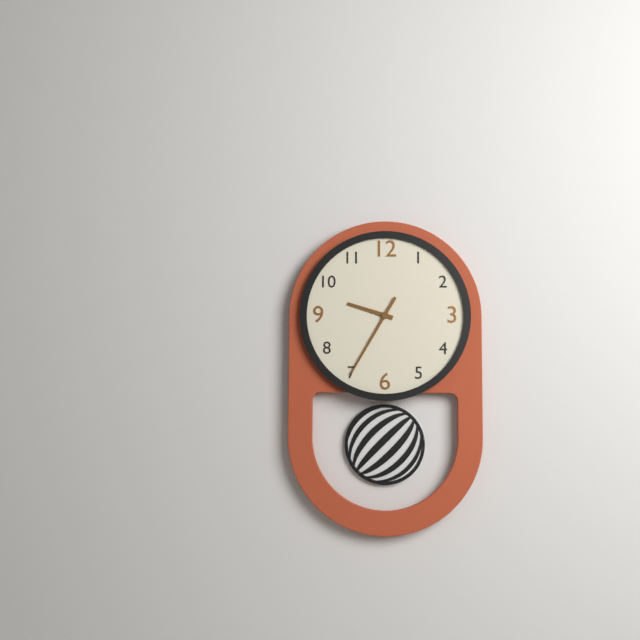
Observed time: **9:35**
